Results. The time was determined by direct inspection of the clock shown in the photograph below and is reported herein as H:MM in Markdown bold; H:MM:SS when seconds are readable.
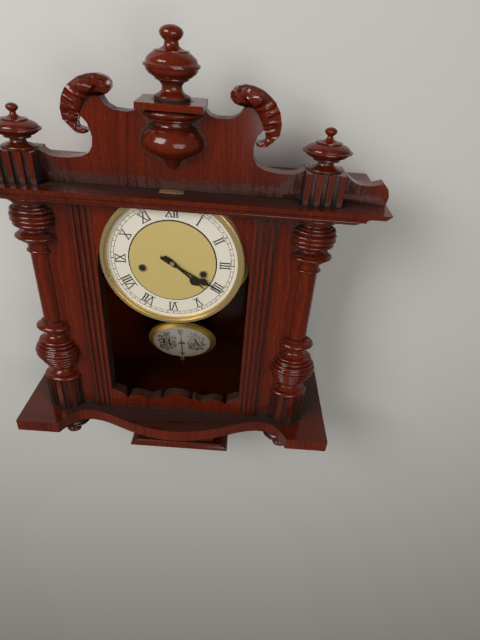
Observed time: **4:20**
